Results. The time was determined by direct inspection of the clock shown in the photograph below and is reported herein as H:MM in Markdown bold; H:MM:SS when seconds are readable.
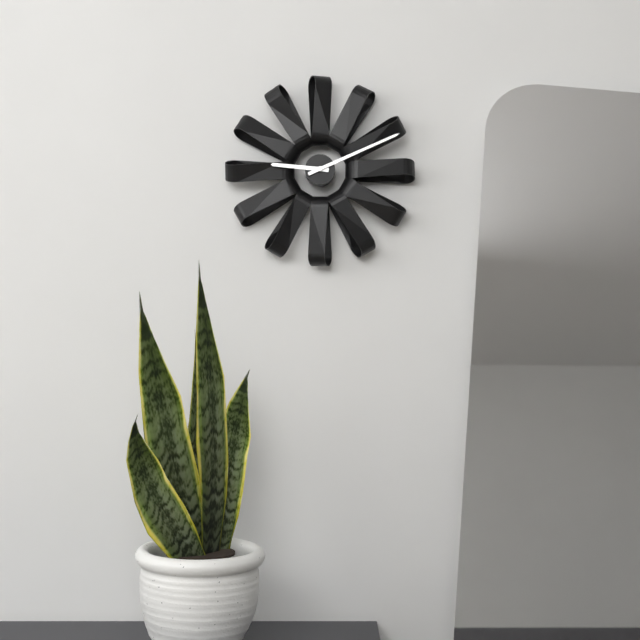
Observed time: **9:11**
